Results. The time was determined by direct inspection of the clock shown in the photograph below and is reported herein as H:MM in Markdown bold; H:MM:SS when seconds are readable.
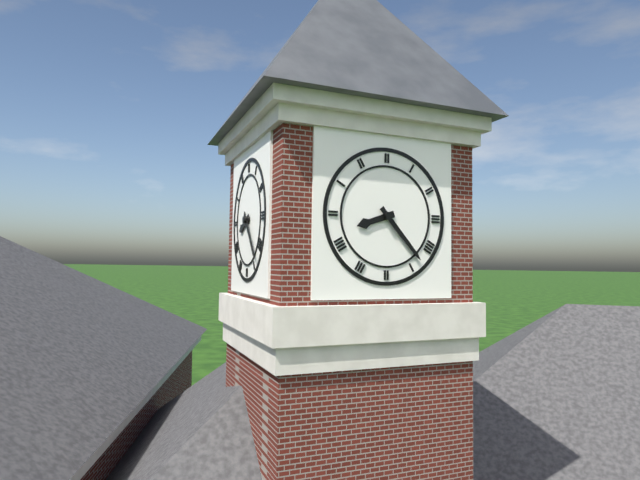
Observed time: **8:23**
